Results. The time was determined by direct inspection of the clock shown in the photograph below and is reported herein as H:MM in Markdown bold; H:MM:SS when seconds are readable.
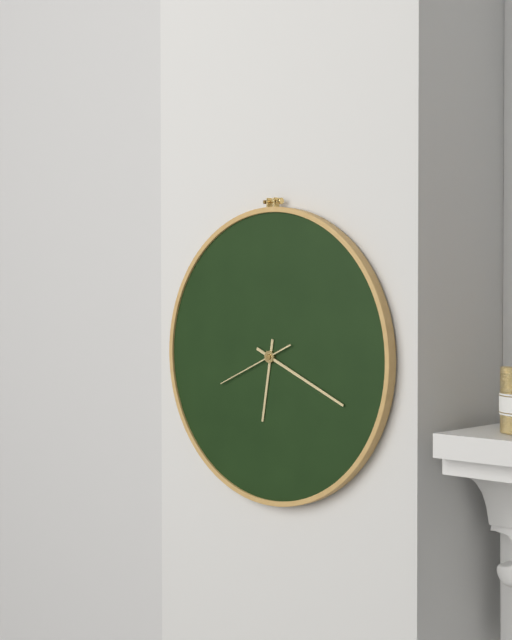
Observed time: **6:19:41**
